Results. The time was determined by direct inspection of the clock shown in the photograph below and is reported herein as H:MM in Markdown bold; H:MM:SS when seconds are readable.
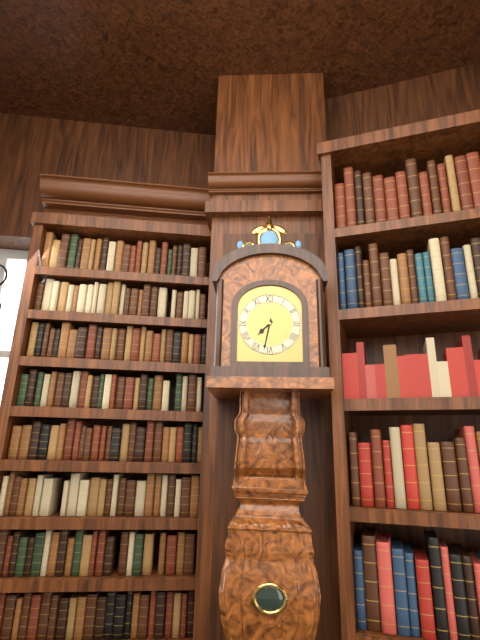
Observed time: **7:32**
